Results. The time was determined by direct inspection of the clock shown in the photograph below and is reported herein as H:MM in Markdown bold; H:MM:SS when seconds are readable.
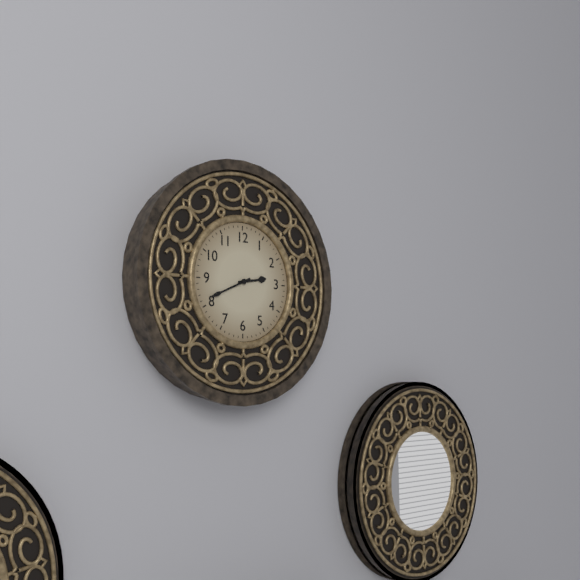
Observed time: **2:41**
